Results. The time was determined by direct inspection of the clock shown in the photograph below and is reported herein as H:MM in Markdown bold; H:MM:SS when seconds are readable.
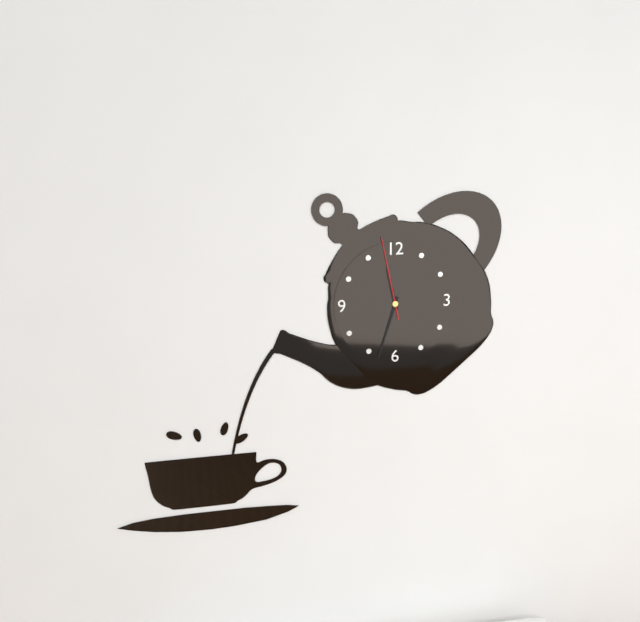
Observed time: **11:33:58**
